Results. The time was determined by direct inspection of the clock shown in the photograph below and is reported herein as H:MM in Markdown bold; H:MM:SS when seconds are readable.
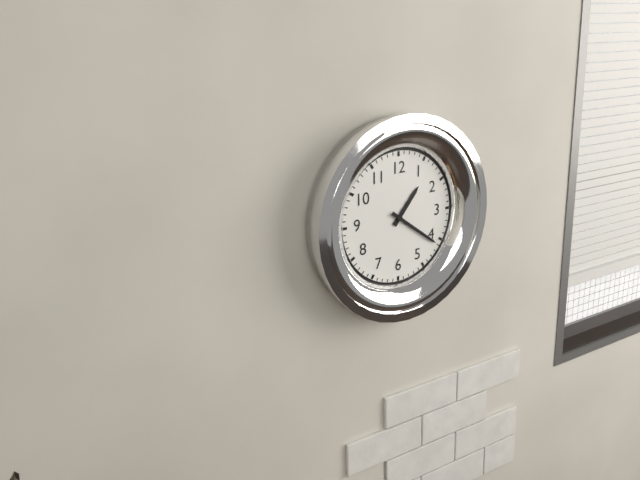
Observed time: **1:21**
